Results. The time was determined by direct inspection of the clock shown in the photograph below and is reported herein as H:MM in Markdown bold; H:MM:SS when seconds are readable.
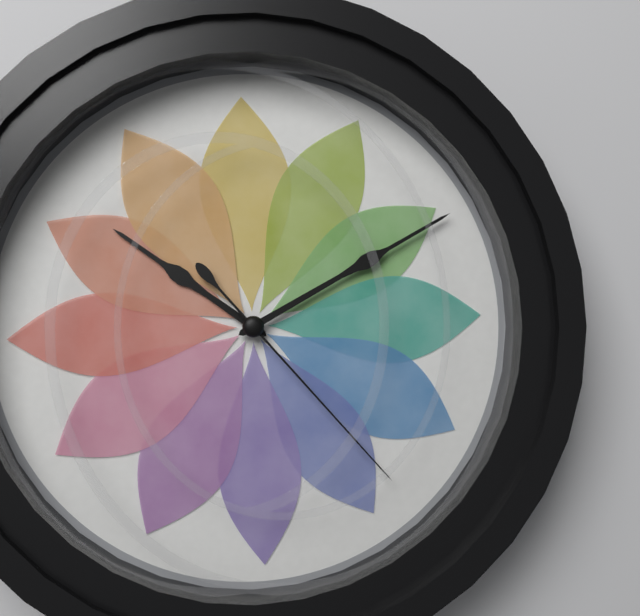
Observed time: **10:10:23**
